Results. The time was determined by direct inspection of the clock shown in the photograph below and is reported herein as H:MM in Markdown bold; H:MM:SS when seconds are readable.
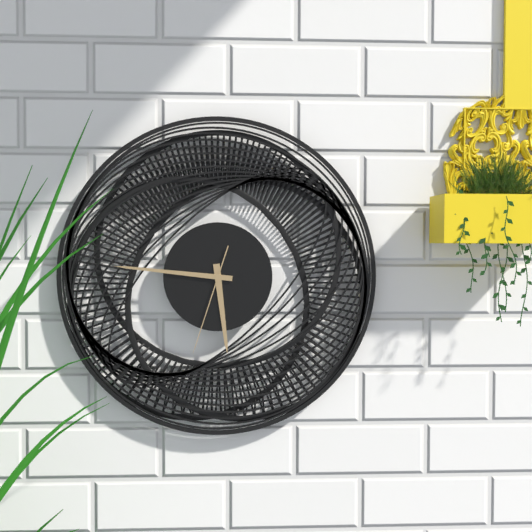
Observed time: **5:46:33**
